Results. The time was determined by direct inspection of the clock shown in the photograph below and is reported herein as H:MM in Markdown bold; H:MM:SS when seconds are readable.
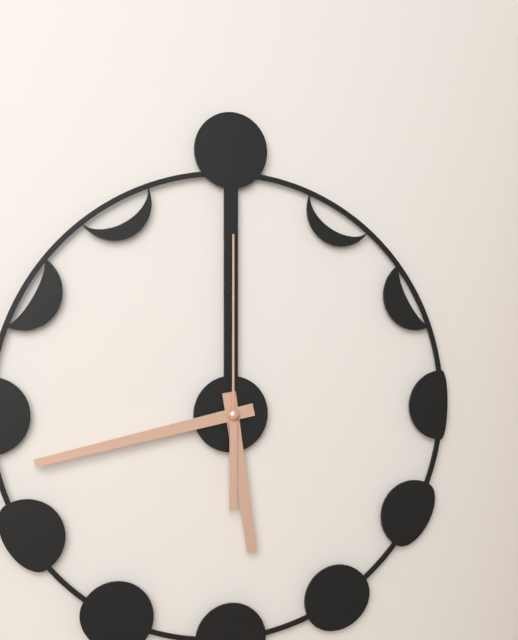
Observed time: **5:43:00**
